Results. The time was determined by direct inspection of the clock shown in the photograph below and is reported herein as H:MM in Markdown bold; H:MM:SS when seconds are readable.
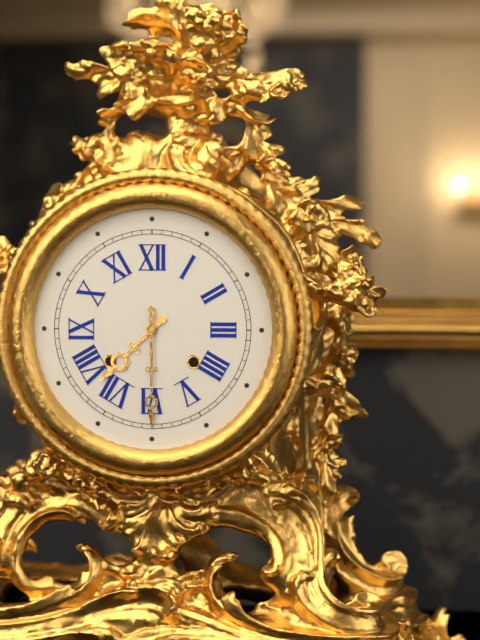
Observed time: **7:30**
